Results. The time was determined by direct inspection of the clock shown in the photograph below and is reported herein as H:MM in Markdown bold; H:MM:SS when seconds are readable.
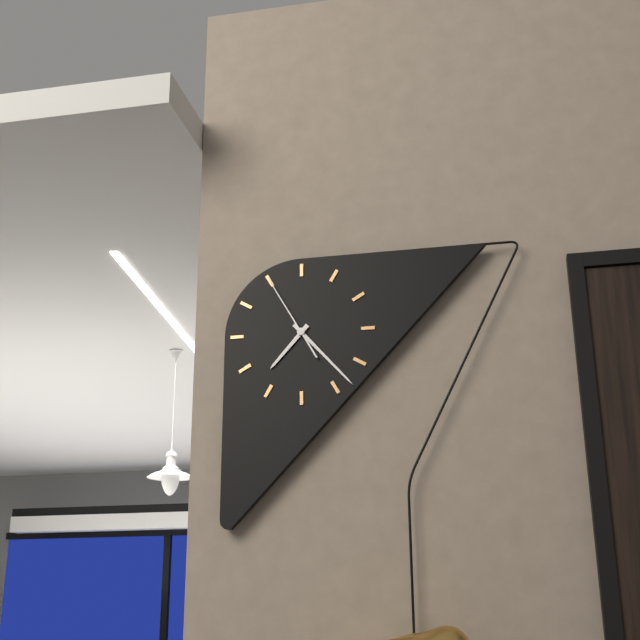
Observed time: **7:23:55**
